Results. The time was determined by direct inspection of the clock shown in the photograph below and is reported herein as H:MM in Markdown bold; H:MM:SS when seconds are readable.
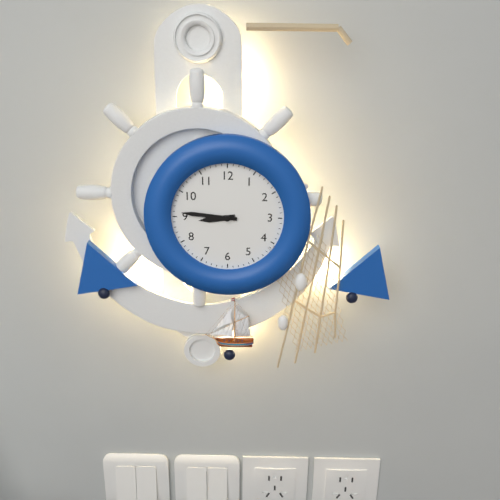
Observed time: **8:46**
